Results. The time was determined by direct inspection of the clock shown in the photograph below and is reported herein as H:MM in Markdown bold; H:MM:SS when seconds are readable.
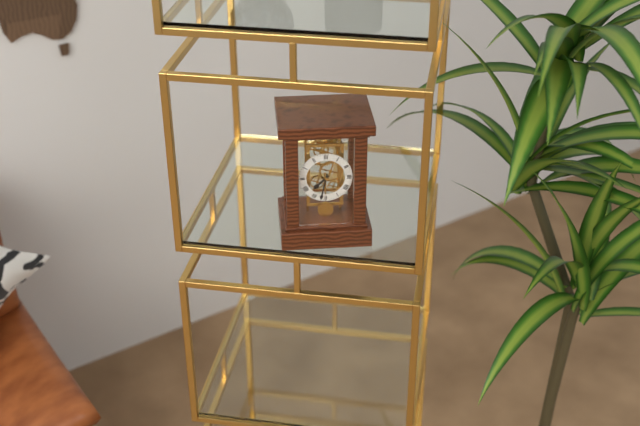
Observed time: **7:32**
